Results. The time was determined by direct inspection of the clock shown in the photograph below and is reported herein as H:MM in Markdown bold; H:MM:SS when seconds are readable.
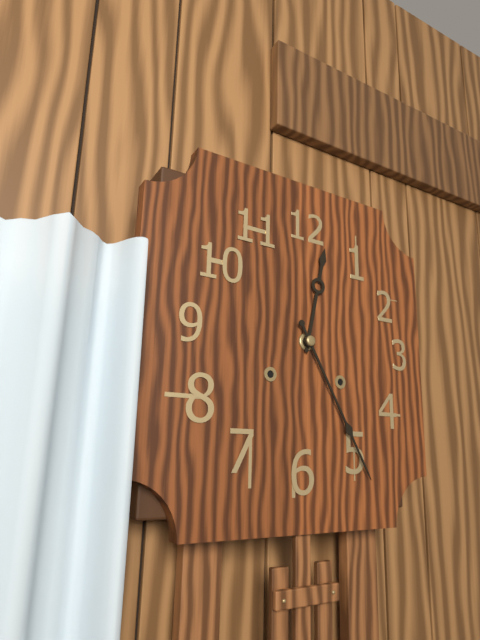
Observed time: **12:25**
